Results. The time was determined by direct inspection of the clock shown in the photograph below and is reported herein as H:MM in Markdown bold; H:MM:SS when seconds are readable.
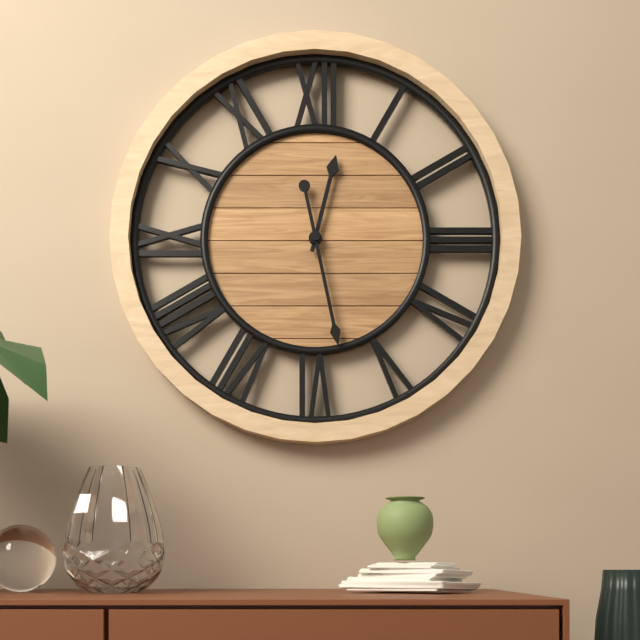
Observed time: **12:28**
